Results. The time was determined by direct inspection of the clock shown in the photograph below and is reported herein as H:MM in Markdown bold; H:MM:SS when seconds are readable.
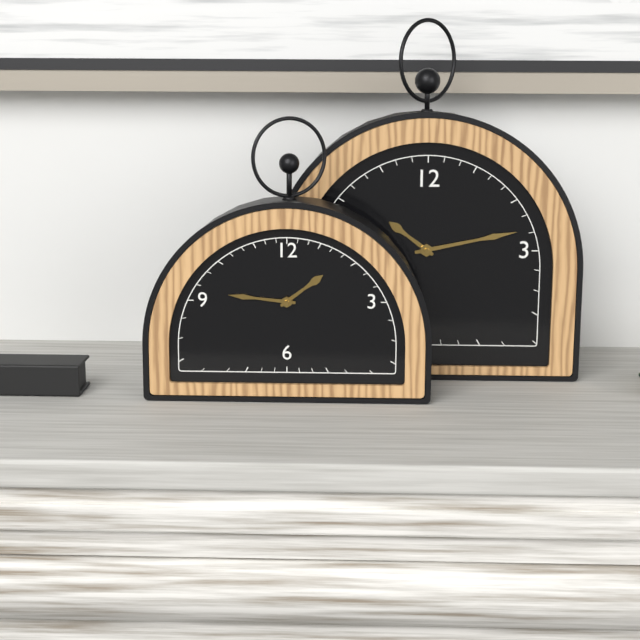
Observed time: **1:46**
